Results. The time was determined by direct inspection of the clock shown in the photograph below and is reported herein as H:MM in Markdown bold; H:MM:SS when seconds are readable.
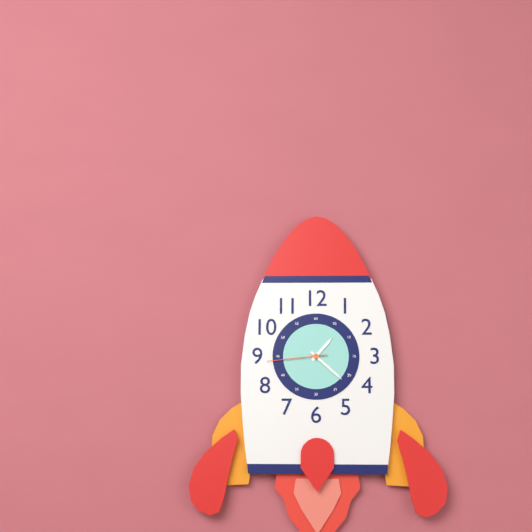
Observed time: **1:22:44**
